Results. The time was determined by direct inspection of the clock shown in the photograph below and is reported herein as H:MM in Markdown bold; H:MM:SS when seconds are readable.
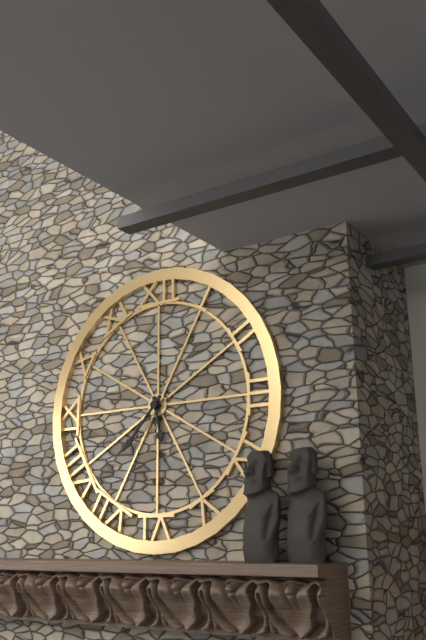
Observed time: **5:37**
